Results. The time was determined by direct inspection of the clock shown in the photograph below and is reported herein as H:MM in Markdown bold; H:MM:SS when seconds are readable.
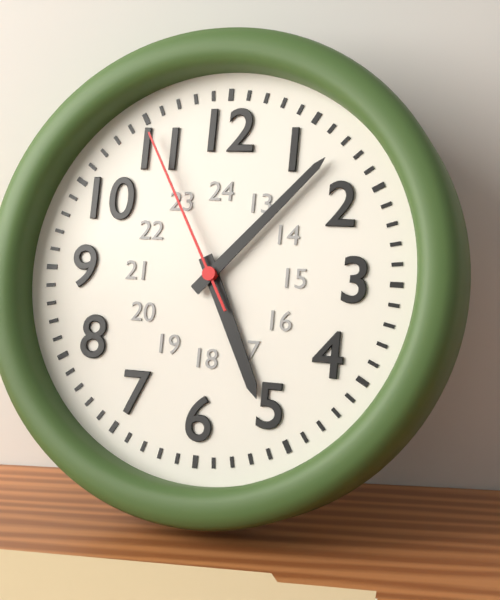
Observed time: **5:07:55**
